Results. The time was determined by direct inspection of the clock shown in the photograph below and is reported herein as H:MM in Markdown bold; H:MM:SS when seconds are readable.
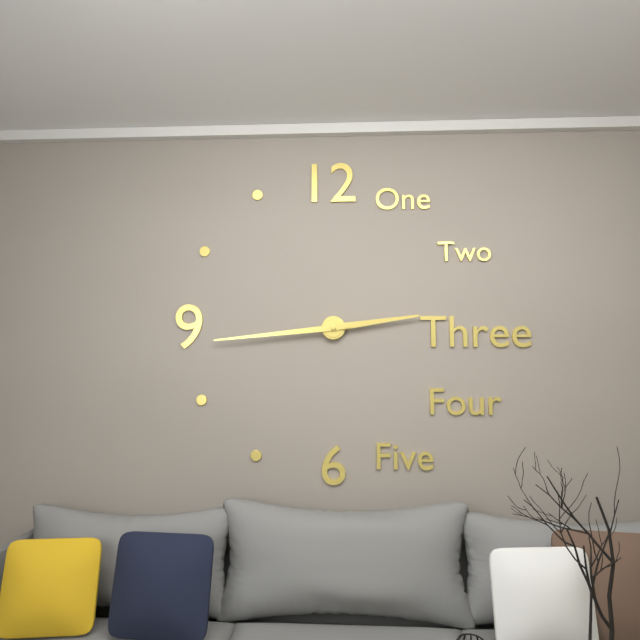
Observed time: **2:44**
